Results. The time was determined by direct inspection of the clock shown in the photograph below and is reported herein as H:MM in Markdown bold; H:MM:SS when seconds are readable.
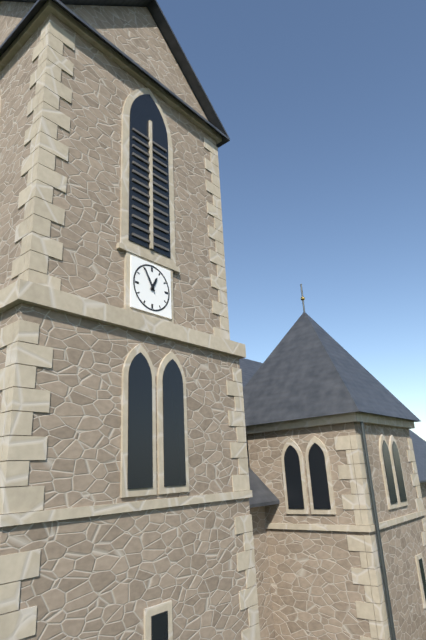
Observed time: **12:55**
